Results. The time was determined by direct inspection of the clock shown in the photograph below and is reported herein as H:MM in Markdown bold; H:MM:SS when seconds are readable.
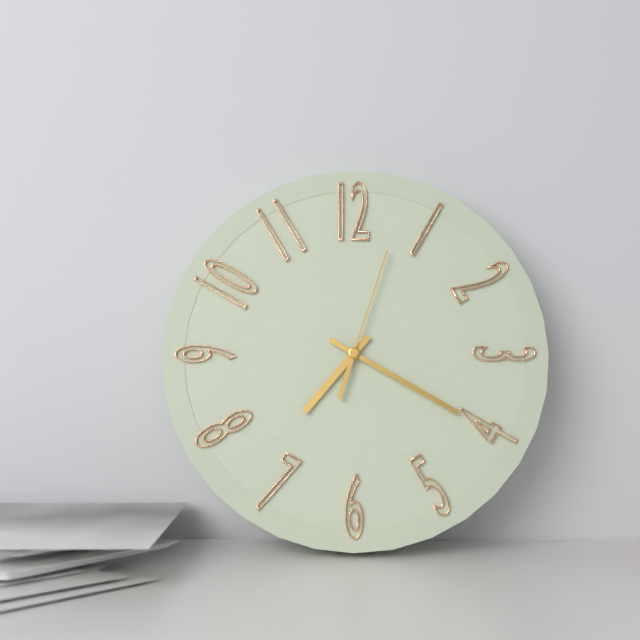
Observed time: **7:20:03**
